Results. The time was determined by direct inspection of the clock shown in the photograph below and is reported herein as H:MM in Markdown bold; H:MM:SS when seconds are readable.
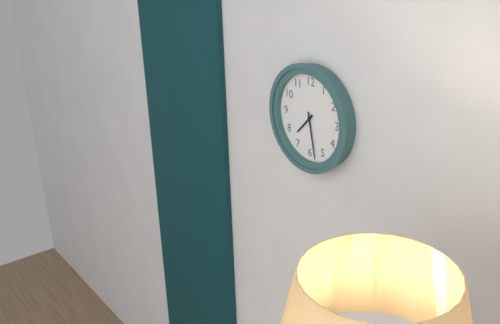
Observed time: **7:28**
